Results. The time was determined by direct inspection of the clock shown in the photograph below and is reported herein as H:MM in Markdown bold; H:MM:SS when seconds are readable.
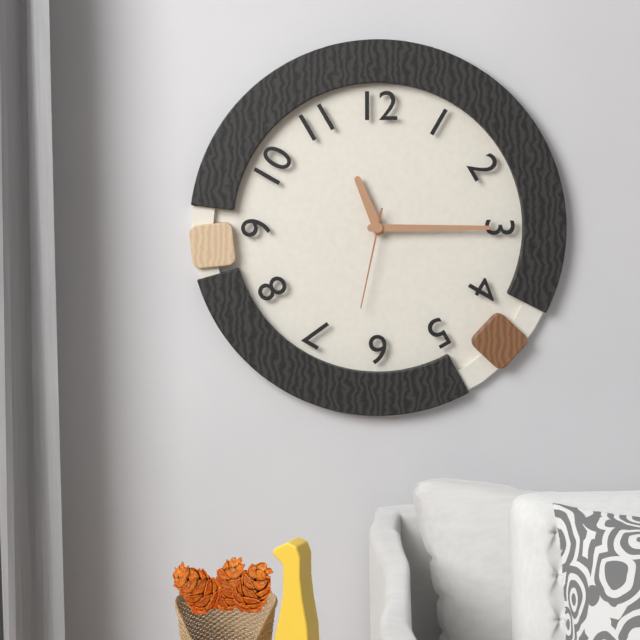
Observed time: **11:15:32**
